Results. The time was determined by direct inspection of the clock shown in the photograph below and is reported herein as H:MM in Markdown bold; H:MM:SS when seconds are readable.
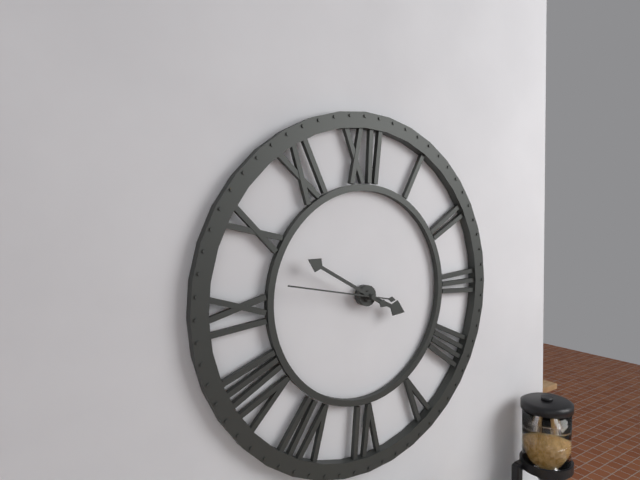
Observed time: **3:50:47**
